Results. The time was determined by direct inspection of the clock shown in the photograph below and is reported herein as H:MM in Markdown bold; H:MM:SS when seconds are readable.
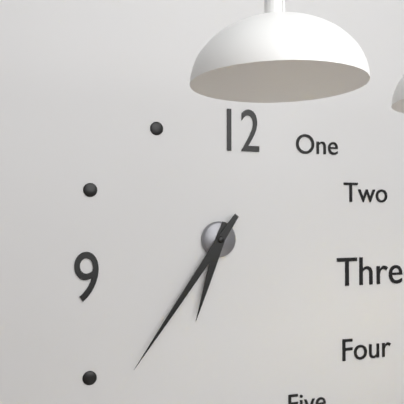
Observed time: **6:36**
